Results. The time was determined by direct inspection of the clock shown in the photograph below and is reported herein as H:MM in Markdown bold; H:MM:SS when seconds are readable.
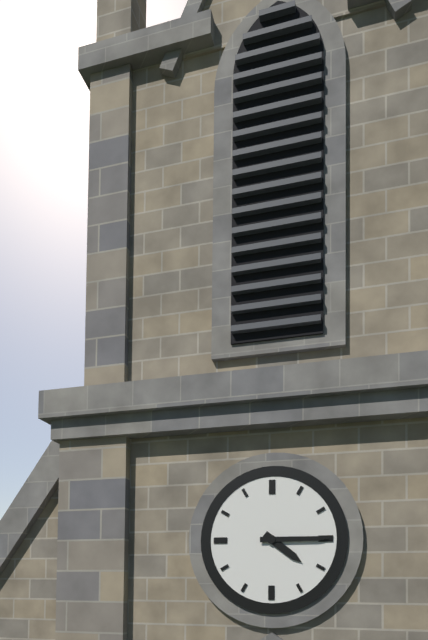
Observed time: **4:15**
